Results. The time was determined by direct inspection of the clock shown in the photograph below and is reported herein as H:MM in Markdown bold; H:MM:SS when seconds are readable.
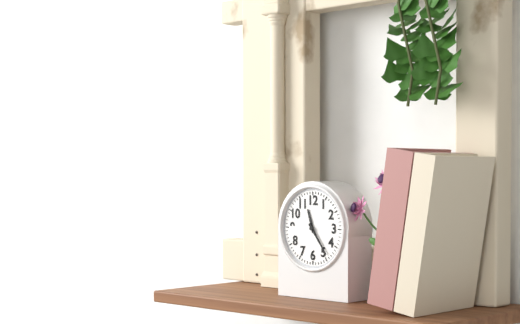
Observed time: **11:24**
